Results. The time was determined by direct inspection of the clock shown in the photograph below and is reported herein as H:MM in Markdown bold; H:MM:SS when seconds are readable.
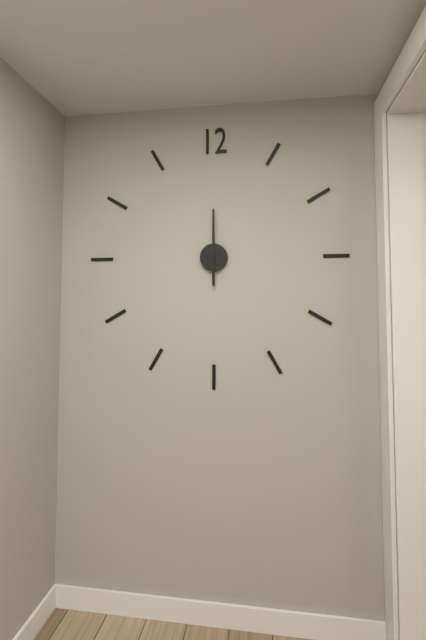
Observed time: **6:00**
